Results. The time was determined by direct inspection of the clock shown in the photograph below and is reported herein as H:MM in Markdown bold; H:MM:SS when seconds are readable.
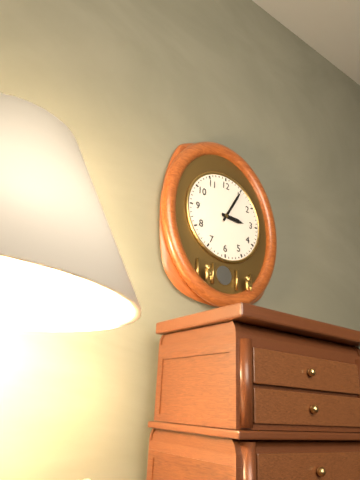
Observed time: **3:05**
